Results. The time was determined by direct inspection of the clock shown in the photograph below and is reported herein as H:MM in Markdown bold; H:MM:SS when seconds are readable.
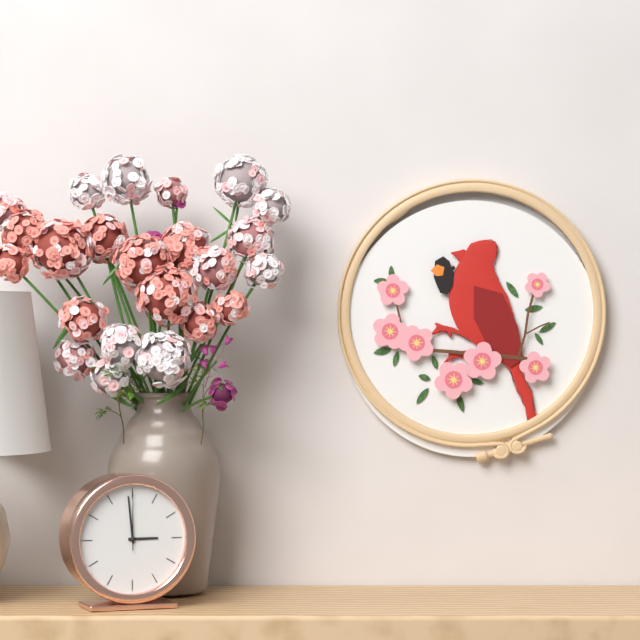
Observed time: **2:59:00**
